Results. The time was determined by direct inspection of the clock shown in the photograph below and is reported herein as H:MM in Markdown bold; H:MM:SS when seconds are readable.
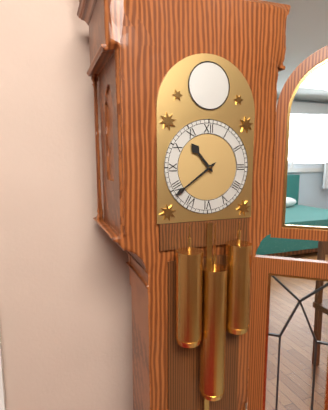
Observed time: **10:39**
